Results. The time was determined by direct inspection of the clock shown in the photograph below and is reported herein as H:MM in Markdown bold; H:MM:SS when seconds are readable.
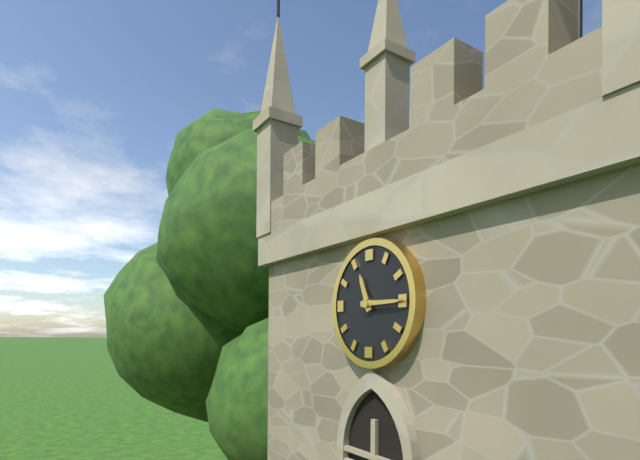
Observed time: **11:15**
